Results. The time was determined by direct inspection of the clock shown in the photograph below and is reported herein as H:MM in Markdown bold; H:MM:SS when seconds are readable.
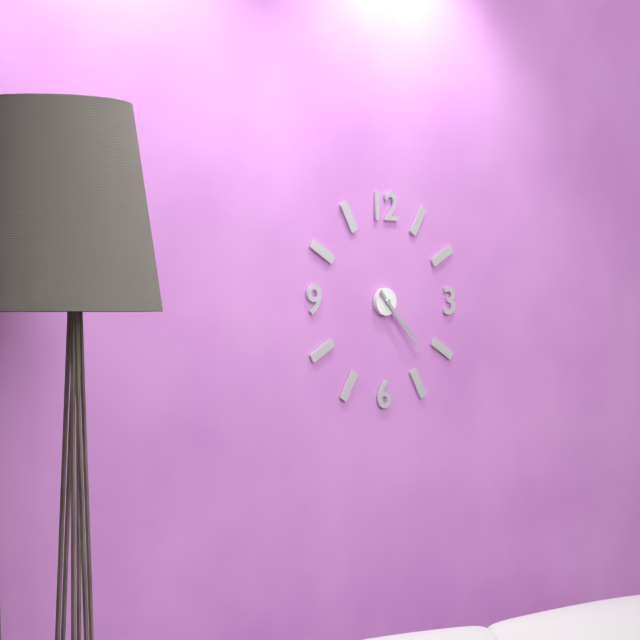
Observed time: **4:23**
